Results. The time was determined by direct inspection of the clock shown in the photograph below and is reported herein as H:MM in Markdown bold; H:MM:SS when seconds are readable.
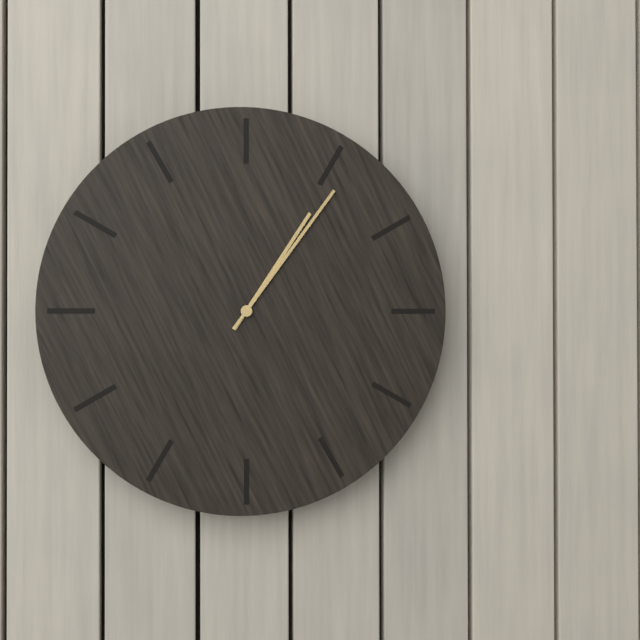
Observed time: **1:06**
